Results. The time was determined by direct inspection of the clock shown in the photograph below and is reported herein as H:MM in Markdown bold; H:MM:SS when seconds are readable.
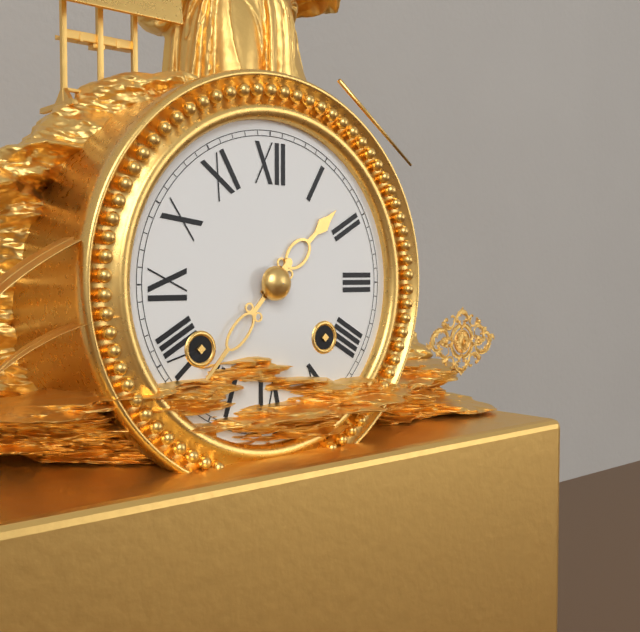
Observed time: **1:37**
